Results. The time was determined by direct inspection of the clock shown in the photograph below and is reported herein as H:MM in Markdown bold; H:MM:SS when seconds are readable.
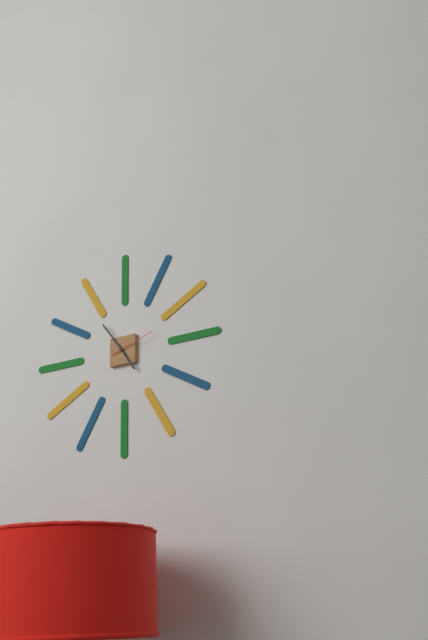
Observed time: **4:54**
